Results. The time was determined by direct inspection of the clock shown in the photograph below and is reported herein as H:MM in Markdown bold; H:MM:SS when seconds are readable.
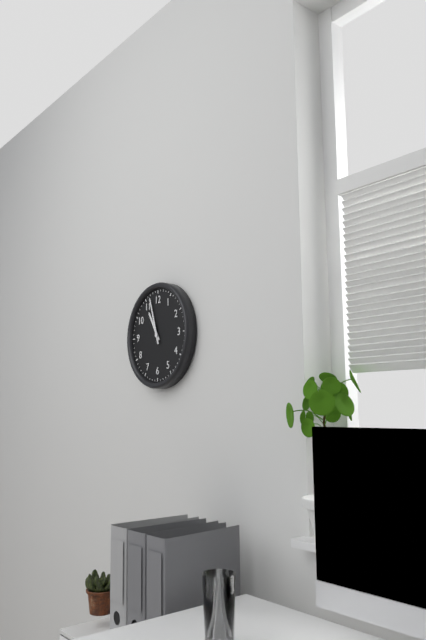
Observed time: **10:57**
